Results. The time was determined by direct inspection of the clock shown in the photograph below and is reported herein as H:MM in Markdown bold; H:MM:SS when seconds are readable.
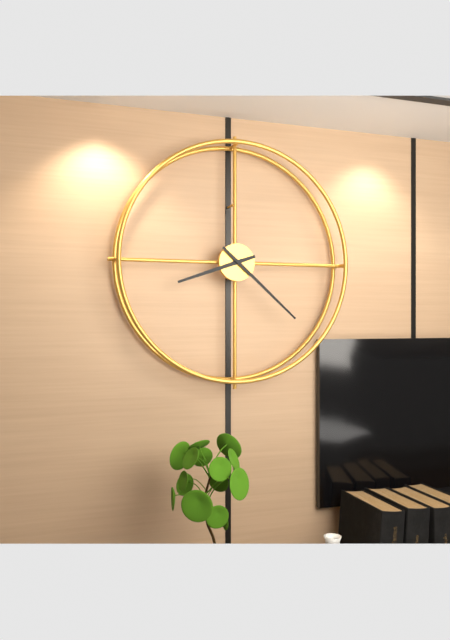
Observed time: **8:22**
